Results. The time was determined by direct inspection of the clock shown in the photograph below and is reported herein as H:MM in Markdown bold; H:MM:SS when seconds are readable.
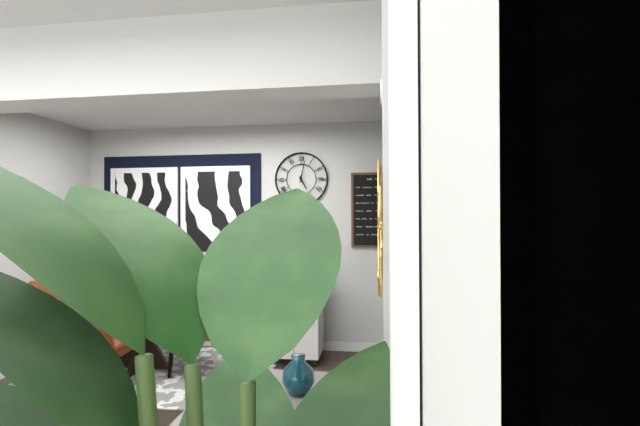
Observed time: **5:02**
